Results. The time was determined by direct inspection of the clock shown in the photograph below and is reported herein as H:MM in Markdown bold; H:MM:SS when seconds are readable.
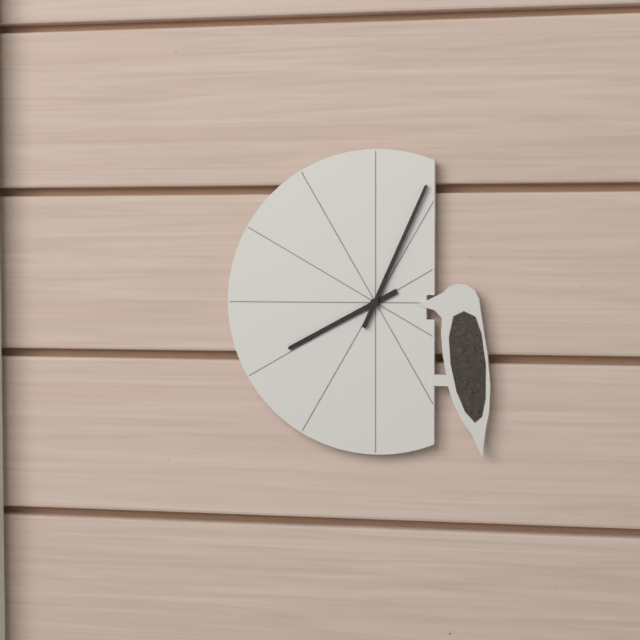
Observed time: **8:04**
